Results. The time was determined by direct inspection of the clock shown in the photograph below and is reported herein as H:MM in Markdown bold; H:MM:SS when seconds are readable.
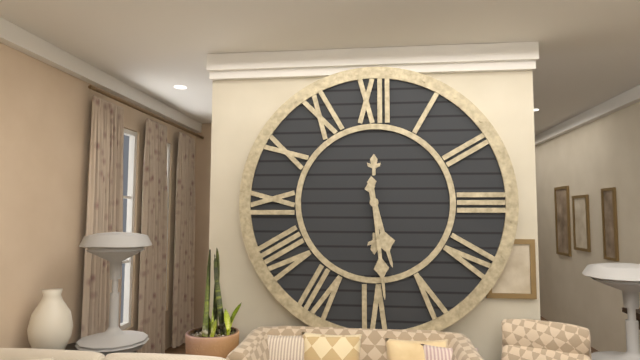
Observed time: **5:29**
